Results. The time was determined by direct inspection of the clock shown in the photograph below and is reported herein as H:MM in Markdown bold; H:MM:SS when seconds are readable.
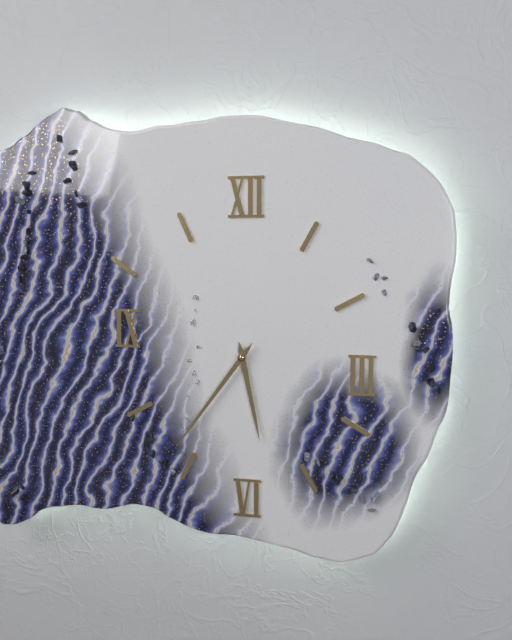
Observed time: **5:36**
